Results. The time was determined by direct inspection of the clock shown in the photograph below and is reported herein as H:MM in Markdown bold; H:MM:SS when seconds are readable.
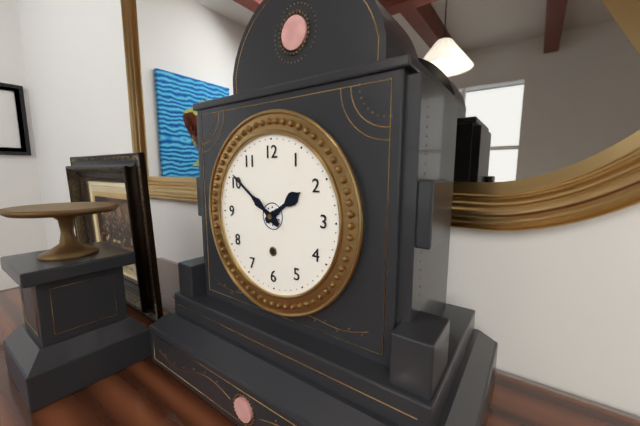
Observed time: **1:51**
